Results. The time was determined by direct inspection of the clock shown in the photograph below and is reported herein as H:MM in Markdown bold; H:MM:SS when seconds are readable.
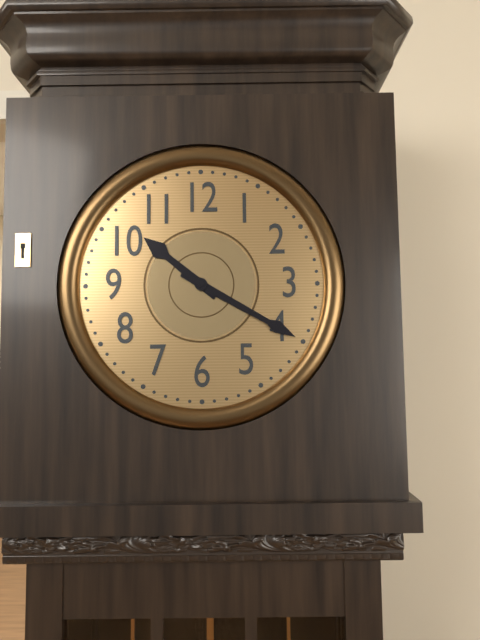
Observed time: **10:20**
